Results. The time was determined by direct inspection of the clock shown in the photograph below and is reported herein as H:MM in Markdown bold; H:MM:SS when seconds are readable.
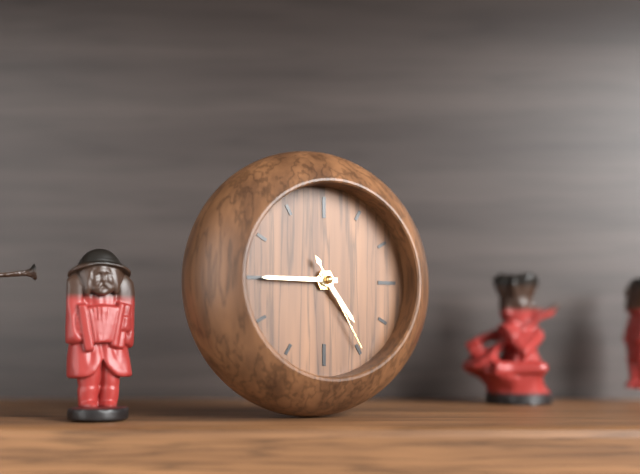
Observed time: **4:45:25**
